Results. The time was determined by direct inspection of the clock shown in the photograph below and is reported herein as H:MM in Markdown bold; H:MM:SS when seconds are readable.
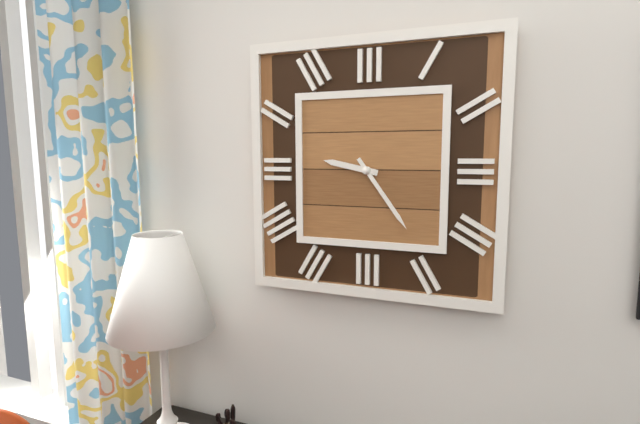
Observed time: **9:24**
